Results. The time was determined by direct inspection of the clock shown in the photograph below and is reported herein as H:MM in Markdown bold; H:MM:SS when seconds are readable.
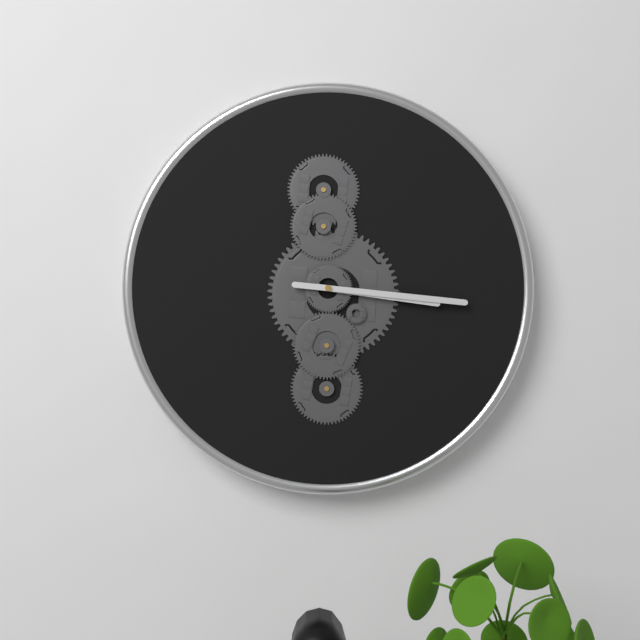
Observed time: **3:16**
